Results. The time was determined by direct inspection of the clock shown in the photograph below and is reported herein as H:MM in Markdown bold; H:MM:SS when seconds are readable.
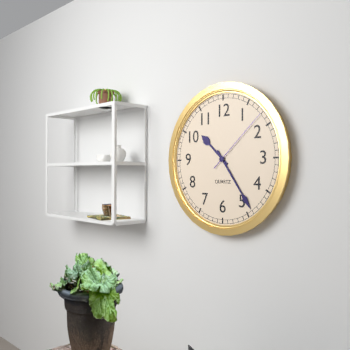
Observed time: **10:24:08**
